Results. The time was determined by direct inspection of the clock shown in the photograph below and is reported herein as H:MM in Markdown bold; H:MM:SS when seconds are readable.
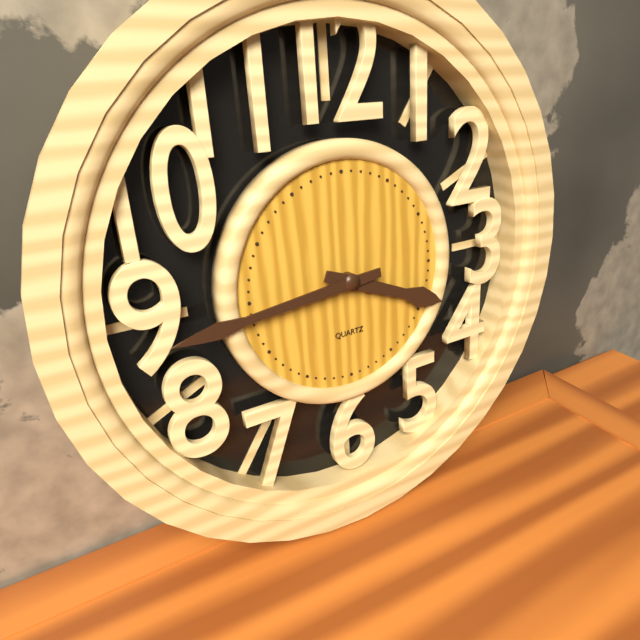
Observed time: **3:44**
